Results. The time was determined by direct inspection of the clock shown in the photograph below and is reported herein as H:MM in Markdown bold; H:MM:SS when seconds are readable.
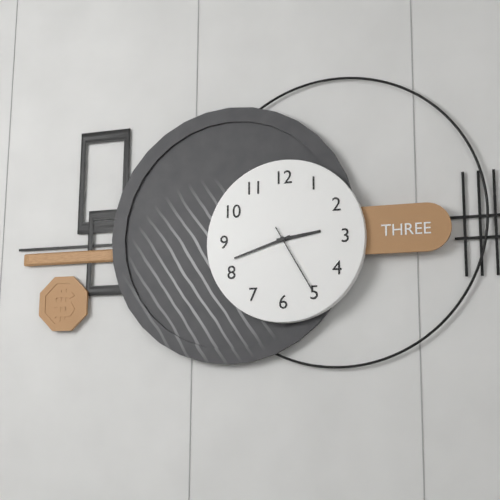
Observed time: **2:42:25**
